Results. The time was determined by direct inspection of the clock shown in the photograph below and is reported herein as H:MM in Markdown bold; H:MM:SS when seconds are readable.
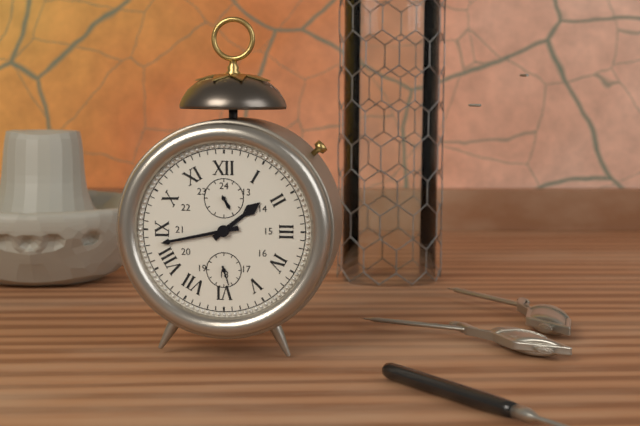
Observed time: **1:43**
